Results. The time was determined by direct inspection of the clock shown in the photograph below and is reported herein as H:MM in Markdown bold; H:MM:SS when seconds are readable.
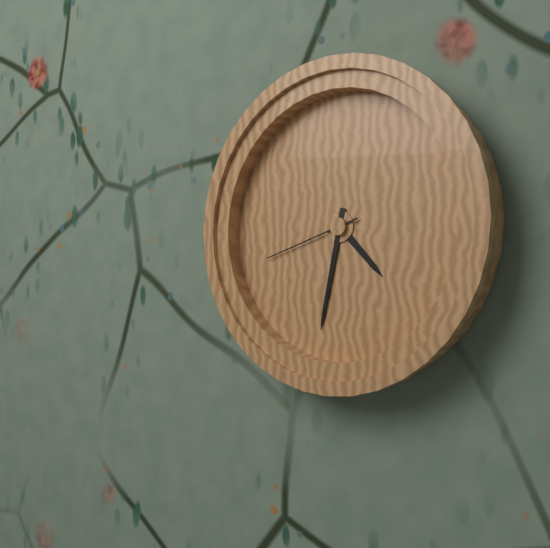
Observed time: **4:32:42**
